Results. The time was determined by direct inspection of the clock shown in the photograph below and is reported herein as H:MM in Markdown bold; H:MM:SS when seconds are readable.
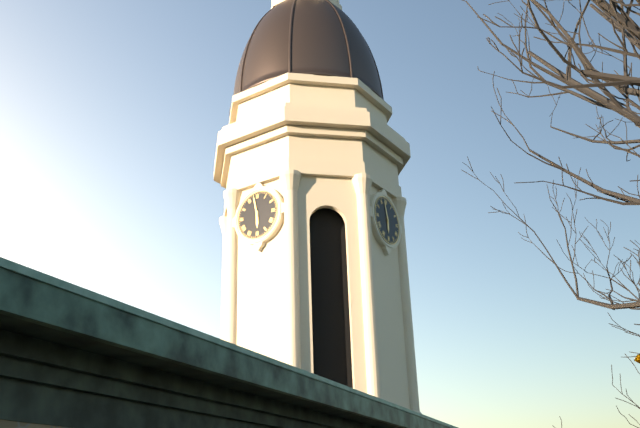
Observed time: **5:58**
